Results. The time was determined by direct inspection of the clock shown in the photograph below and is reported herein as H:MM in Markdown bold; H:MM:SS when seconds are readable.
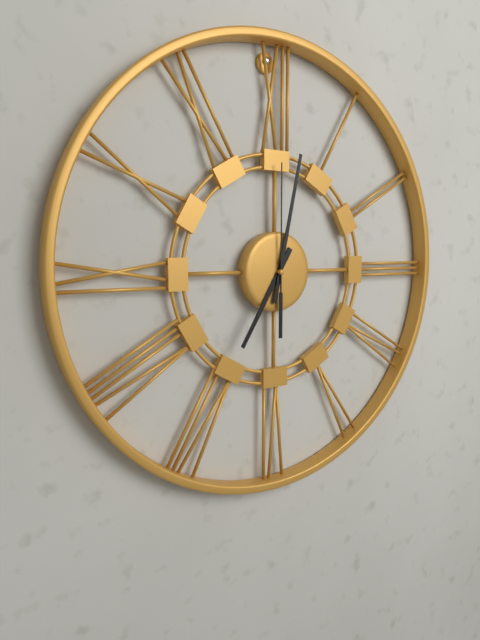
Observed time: **7:02:00**
